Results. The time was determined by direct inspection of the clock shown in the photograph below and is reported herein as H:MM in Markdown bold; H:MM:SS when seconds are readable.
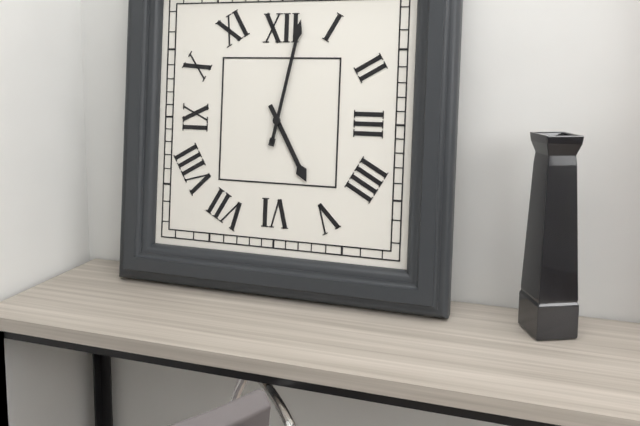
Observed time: **5:02**
